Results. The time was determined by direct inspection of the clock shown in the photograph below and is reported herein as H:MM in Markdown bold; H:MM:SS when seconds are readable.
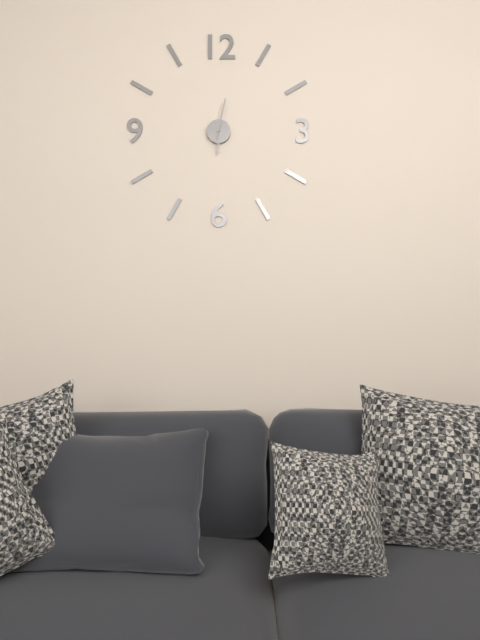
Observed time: **6:02**
